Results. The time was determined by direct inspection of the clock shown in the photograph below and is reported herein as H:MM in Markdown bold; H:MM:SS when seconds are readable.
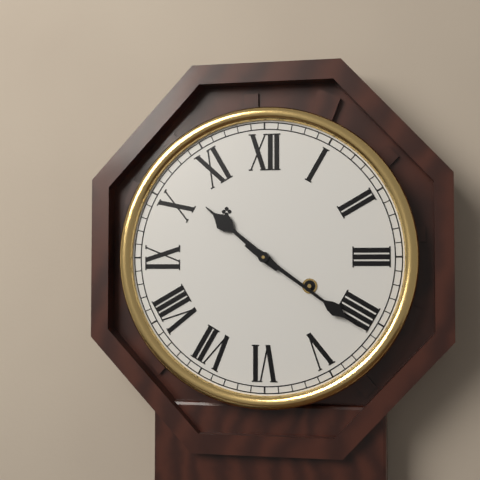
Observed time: **10:21**
